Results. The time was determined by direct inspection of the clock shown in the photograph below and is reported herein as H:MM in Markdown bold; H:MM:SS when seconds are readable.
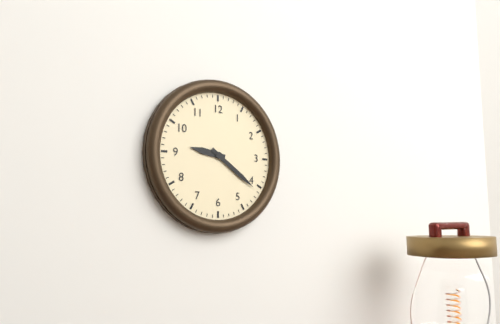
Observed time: **9:21**
